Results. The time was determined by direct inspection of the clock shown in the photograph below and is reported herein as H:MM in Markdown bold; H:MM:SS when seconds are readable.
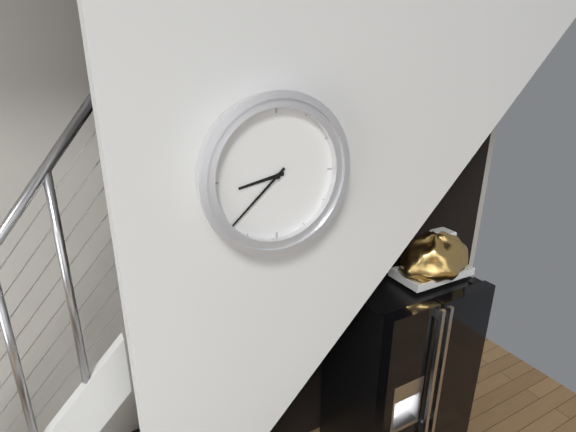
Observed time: **8:38**
